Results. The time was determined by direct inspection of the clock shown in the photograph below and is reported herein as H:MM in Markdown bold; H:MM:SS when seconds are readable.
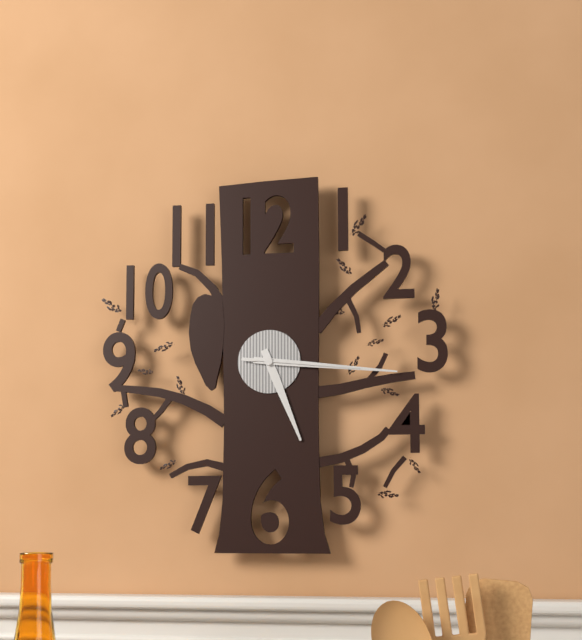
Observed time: **5:16:16**
